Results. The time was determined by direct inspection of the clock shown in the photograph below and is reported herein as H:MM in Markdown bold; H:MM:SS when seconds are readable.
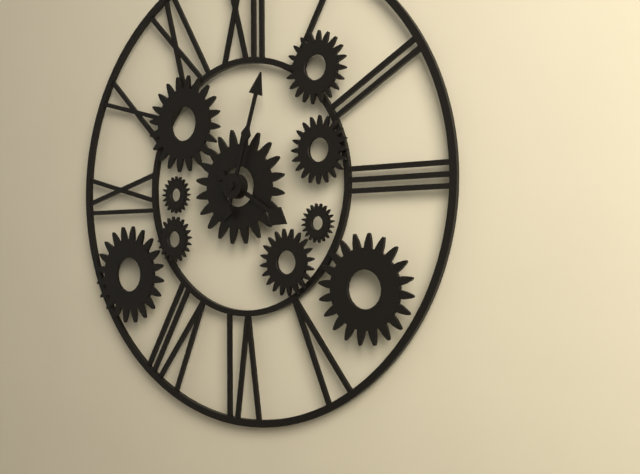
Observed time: **4:03**
